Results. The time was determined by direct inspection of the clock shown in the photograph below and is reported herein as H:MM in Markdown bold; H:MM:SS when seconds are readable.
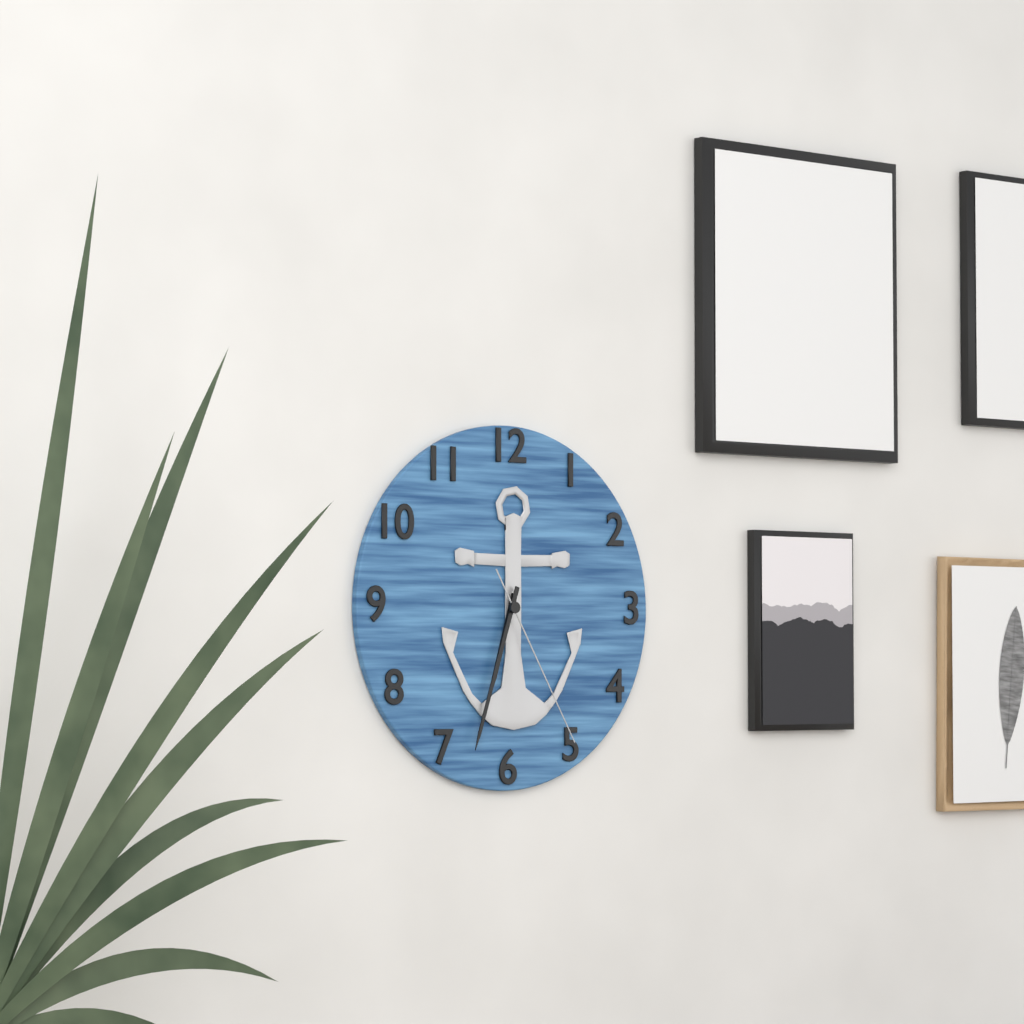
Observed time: **6:33:25**
